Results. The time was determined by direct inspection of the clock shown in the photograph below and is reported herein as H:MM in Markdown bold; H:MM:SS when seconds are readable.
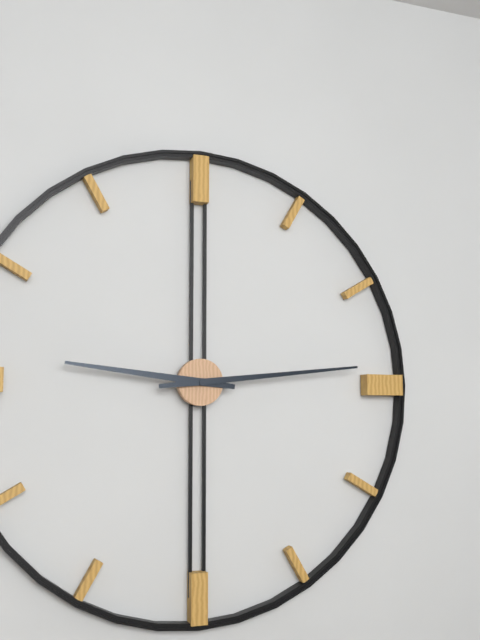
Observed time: **9:14**
